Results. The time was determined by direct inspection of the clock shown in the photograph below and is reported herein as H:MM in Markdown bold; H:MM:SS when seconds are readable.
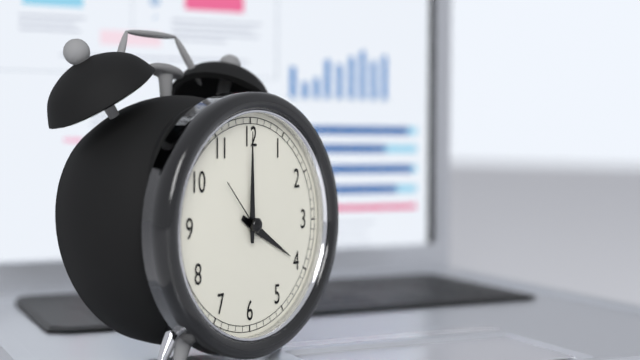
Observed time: **4:00:53**
